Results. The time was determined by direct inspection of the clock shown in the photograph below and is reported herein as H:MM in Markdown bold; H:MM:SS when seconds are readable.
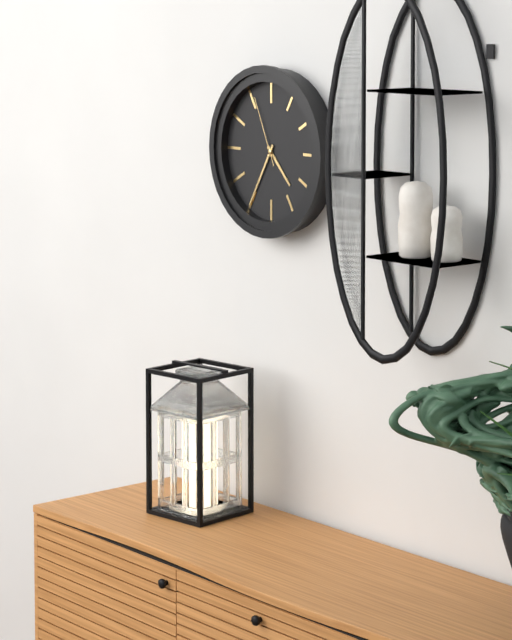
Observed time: **4:35:56**
